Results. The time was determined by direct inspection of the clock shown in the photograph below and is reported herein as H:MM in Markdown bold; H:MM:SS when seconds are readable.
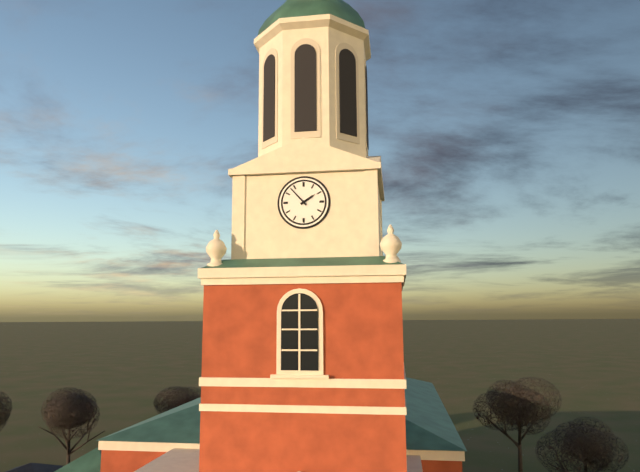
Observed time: **1:53**
